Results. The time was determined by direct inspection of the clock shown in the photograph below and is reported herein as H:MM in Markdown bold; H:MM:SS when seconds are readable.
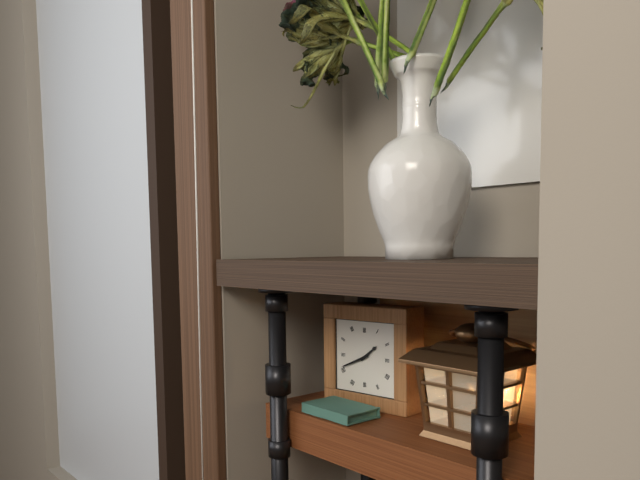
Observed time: **1:41**
